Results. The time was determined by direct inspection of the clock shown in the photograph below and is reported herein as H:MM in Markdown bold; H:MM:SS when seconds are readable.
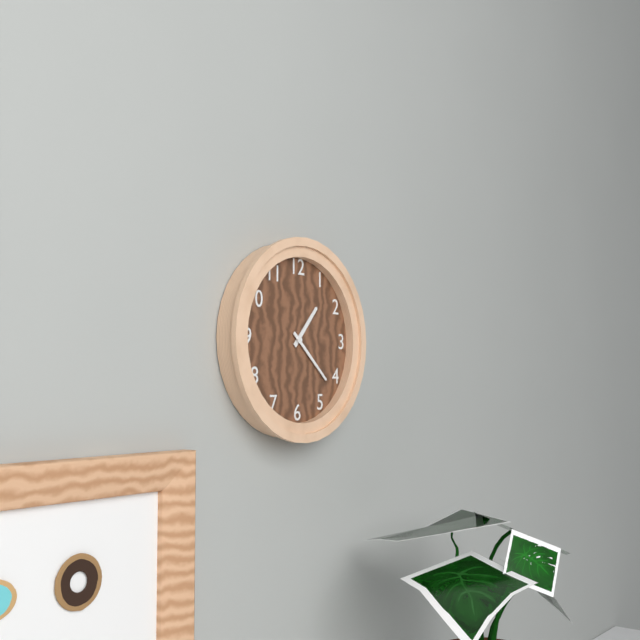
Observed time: **1:22**
